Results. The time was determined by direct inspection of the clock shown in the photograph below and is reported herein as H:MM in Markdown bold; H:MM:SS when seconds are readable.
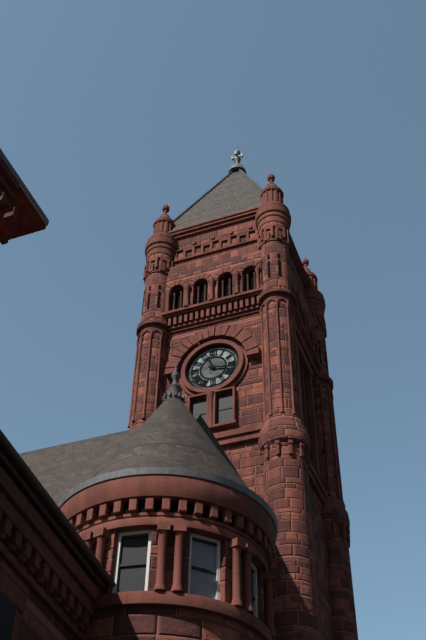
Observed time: **11:17**
